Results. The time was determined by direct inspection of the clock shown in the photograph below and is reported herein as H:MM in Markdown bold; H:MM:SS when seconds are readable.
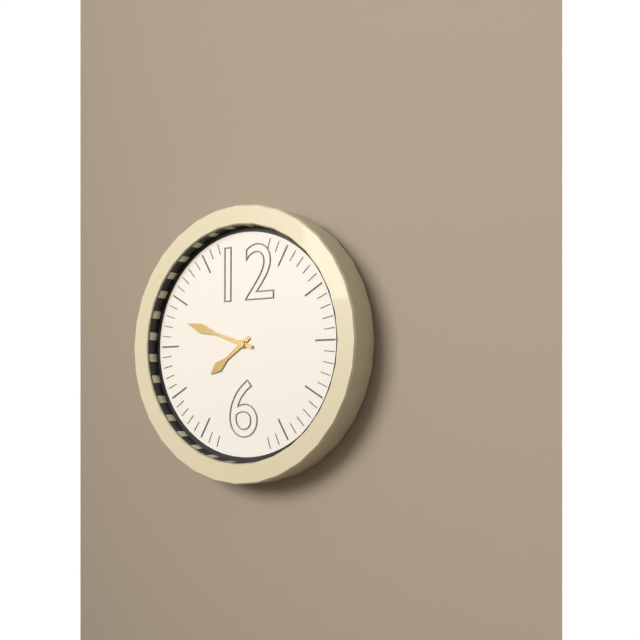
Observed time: **7:48**
